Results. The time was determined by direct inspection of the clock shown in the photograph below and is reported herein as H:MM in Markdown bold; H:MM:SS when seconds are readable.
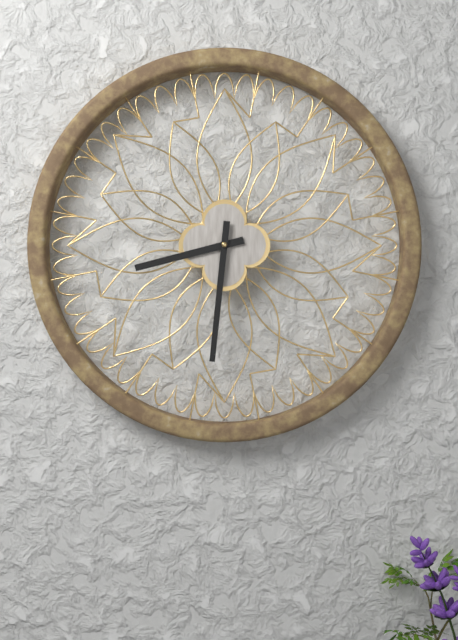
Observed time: **8:31**
